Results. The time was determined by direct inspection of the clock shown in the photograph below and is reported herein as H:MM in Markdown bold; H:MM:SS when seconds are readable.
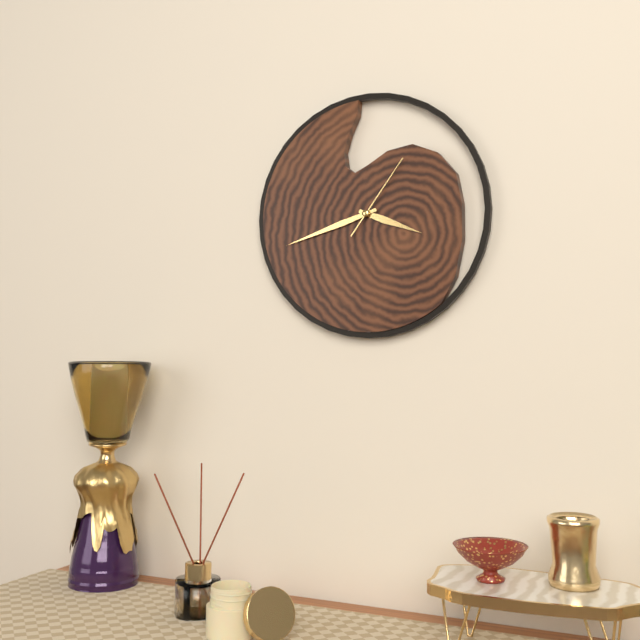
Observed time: **3:42:06**
